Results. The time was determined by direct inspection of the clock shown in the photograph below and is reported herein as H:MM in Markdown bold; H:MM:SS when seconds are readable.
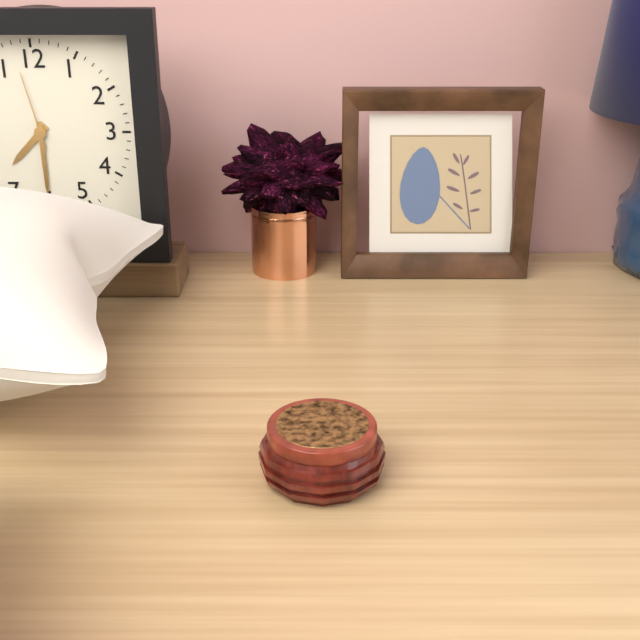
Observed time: **7:30:58**
